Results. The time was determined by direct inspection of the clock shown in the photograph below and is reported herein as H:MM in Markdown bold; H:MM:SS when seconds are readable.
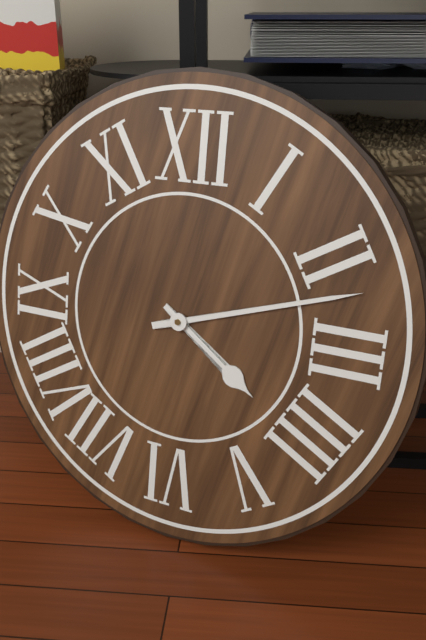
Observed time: **4:12**
